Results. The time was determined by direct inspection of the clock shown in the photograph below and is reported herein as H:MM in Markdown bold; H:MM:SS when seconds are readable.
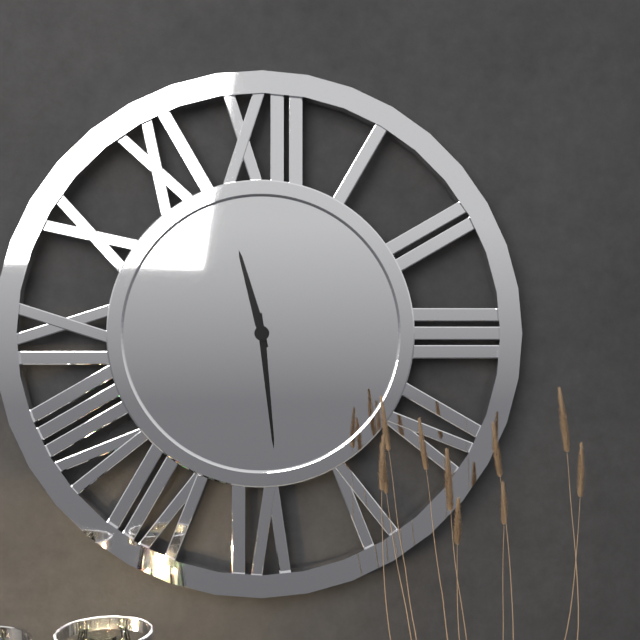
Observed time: **11:29**
